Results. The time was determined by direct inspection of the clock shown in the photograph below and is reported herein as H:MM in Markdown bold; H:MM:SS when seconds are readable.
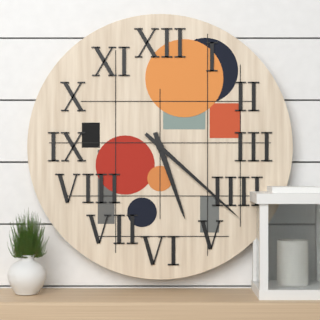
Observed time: **5:22**
